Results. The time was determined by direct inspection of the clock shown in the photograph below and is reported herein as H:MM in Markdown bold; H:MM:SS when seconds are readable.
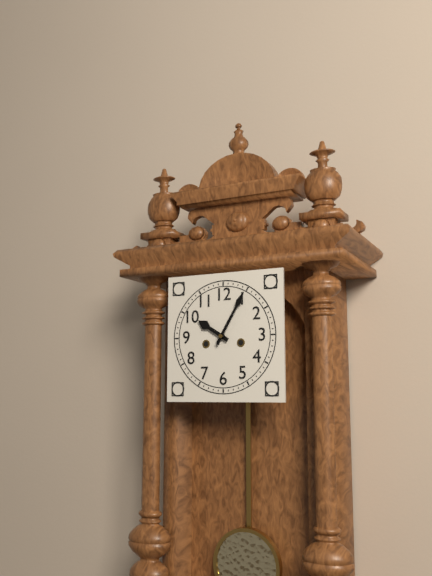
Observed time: **10:05**
